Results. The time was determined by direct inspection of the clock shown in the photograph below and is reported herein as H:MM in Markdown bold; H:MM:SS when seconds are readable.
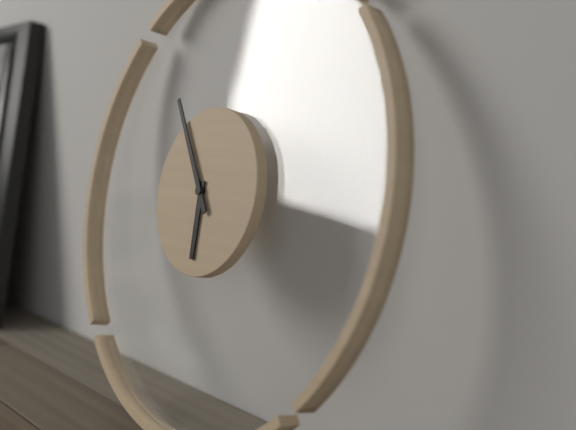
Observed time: **5:54**
